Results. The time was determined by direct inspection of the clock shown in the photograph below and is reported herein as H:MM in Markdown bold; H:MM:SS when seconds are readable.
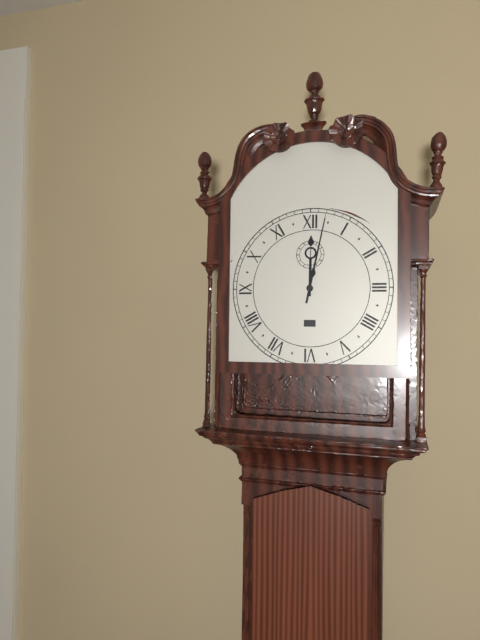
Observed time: **12:02**
